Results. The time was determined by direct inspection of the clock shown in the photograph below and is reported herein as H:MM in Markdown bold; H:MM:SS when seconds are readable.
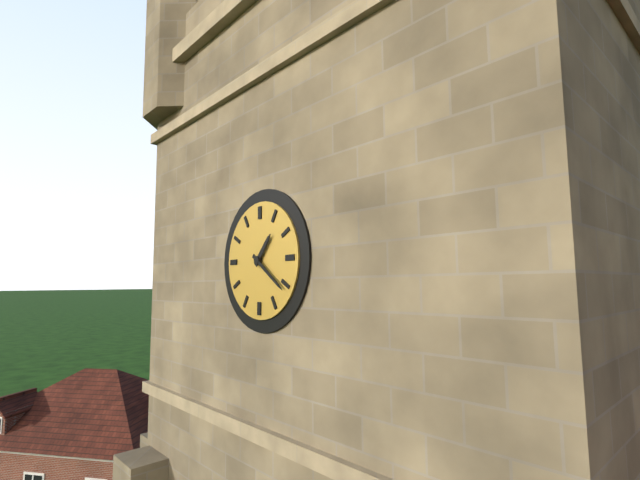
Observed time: **1:21**
